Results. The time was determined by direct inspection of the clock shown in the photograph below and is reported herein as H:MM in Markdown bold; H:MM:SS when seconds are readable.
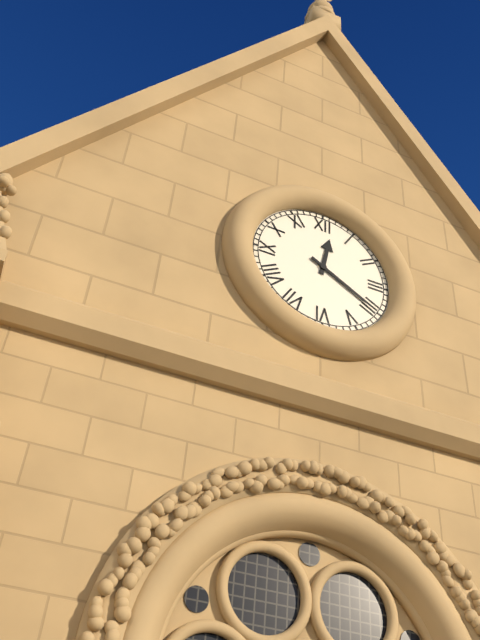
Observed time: **12:20**
